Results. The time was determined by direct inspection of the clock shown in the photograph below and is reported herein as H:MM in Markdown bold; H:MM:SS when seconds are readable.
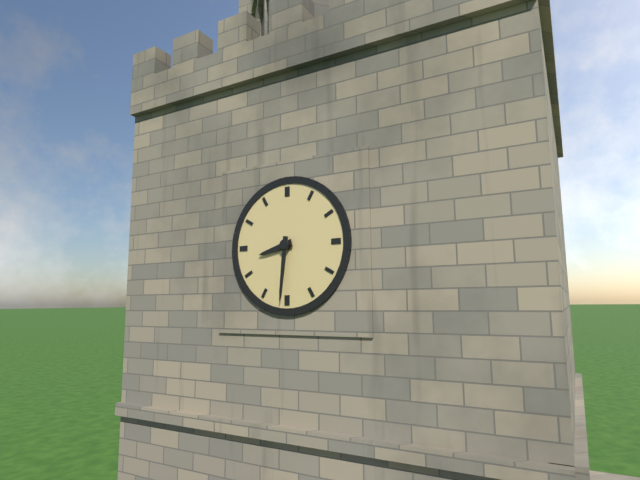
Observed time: **8:31**
